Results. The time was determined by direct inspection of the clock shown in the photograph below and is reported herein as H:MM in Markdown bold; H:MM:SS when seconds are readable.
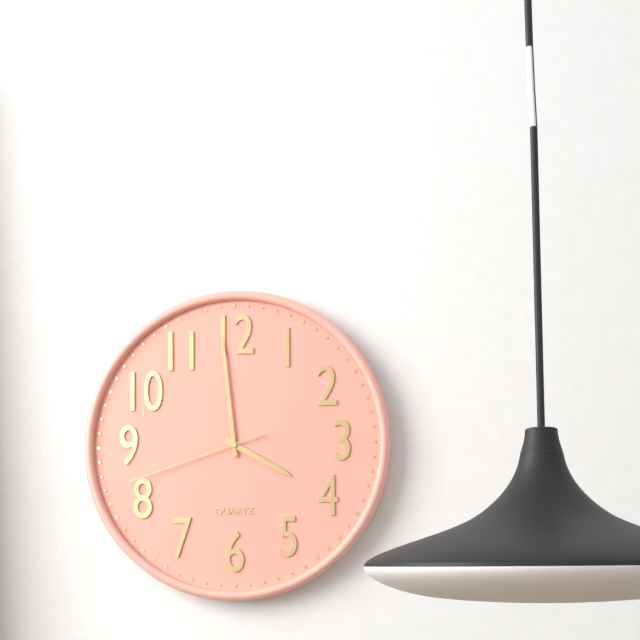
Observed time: **3:59:42**
